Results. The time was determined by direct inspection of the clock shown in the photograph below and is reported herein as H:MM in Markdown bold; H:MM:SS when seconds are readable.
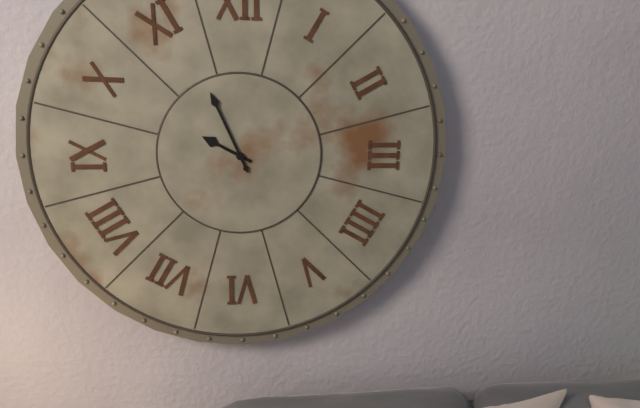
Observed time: **9:56**
